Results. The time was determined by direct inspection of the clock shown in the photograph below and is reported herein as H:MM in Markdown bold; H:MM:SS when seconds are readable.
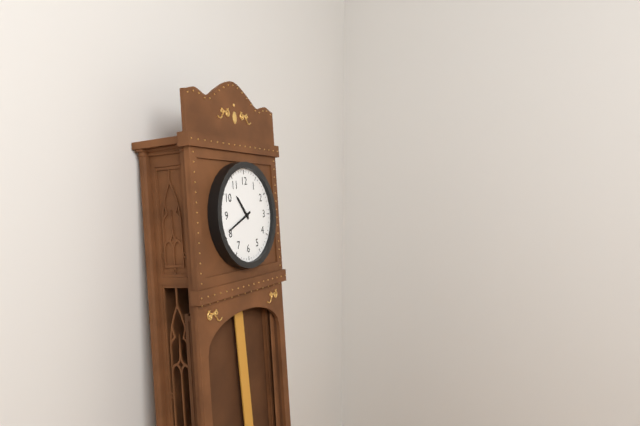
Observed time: **10:41**
